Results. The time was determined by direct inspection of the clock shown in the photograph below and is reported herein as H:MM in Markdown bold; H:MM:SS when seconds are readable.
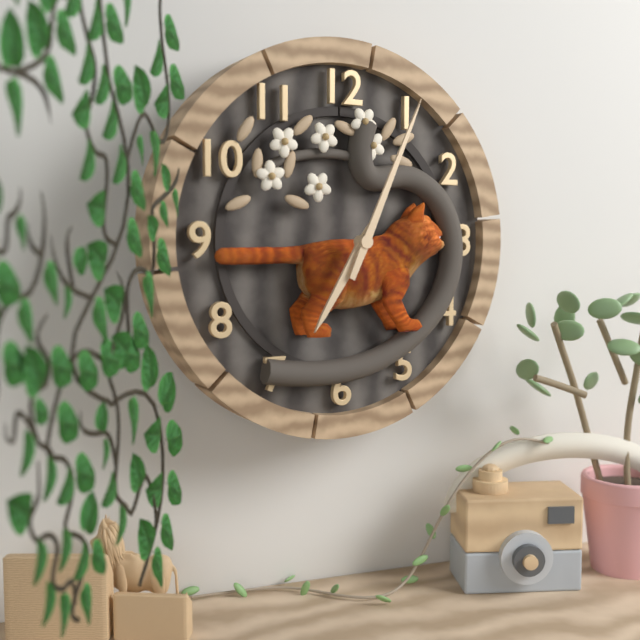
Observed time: **7:04**
